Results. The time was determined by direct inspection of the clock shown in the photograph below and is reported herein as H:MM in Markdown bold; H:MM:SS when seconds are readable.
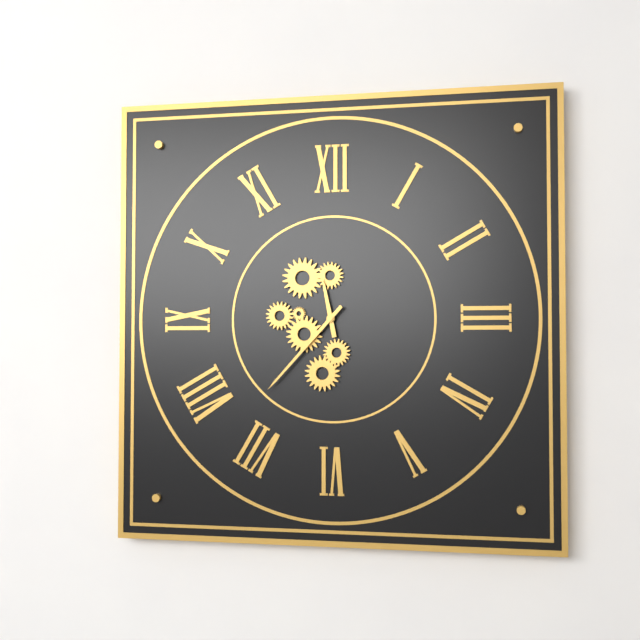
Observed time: **11:37**
